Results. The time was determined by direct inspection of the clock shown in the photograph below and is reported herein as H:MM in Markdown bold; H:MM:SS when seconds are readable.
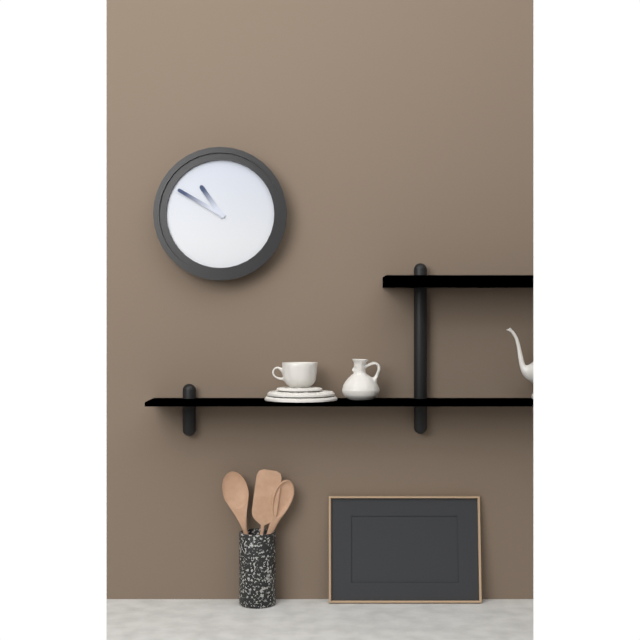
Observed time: **10:50**
